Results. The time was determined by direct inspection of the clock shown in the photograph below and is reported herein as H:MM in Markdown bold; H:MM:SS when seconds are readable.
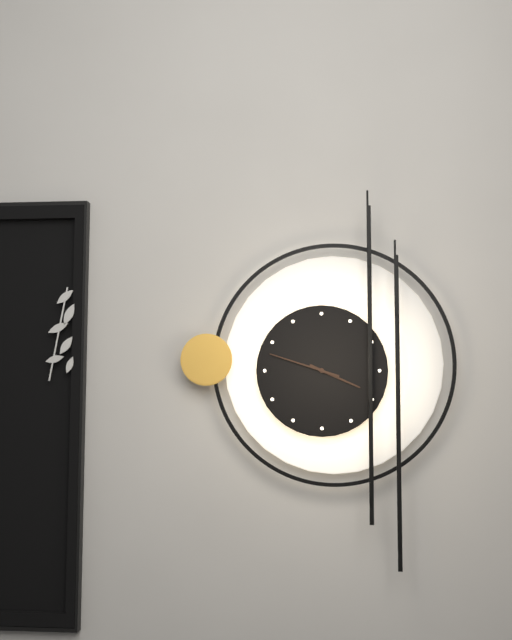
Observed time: **3:48**
